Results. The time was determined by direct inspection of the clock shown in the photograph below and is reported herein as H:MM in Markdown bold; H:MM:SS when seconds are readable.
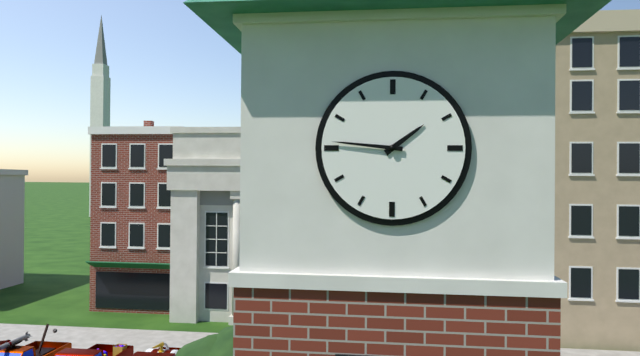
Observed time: **1:46**
